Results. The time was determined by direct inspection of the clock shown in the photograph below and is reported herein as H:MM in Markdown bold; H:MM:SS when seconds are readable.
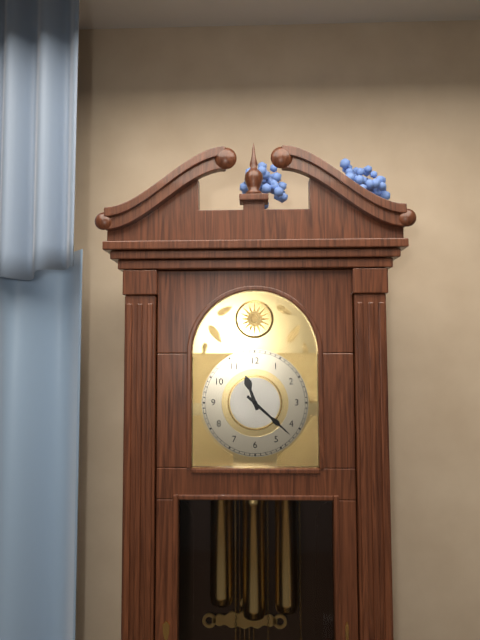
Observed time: **11:22**
